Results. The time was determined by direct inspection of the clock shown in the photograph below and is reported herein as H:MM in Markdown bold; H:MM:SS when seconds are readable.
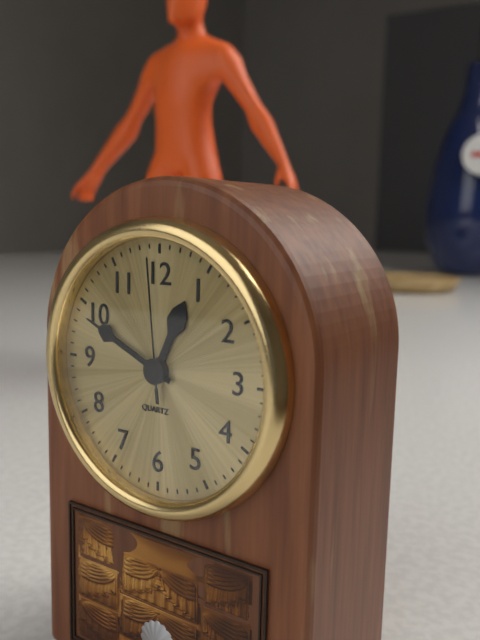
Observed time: **12:49:59**
